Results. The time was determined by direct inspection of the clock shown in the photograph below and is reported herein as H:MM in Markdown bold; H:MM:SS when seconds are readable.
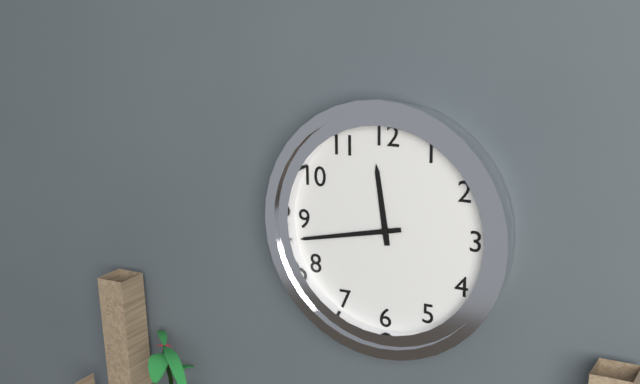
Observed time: **11:43**
